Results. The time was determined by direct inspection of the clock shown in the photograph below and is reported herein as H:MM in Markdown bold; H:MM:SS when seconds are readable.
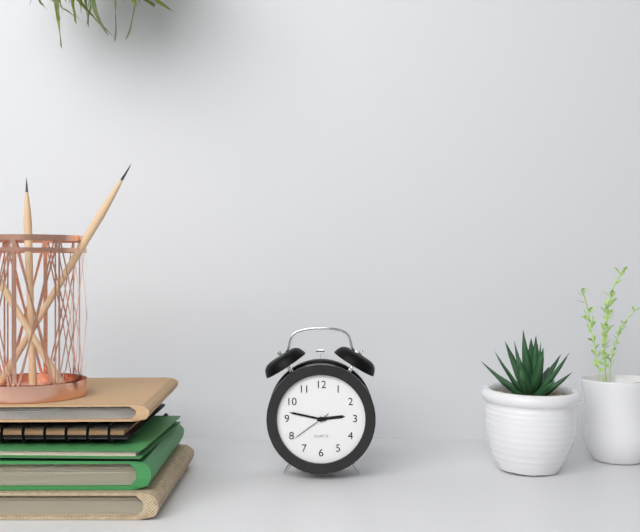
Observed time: **2:47**
